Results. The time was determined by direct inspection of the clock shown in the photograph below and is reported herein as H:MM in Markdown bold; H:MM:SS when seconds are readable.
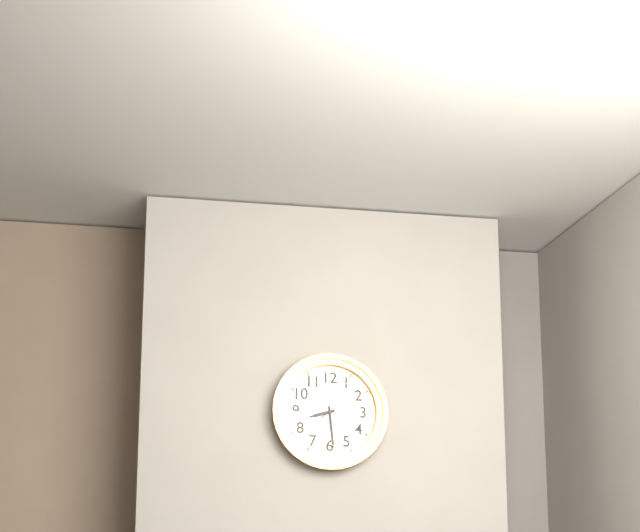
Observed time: **8:29**
